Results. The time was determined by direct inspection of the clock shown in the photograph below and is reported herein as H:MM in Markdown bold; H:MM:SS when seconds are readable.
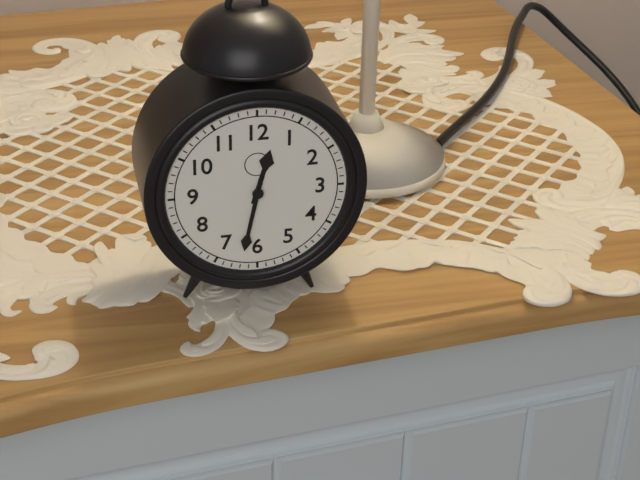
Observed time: **12:32**
